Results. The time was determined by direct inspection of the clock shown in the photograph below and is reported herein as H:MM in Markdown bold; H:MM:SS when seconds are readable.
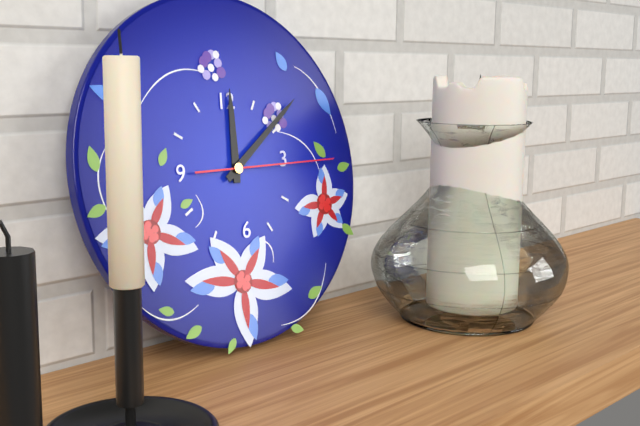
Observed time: **12:09:15**
